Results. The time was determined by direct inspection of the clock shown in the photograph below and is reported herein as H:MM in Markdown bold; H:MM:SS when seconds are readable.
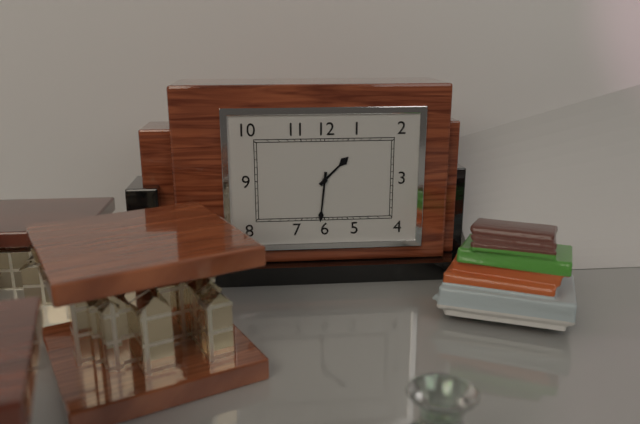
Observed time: **1:31**
